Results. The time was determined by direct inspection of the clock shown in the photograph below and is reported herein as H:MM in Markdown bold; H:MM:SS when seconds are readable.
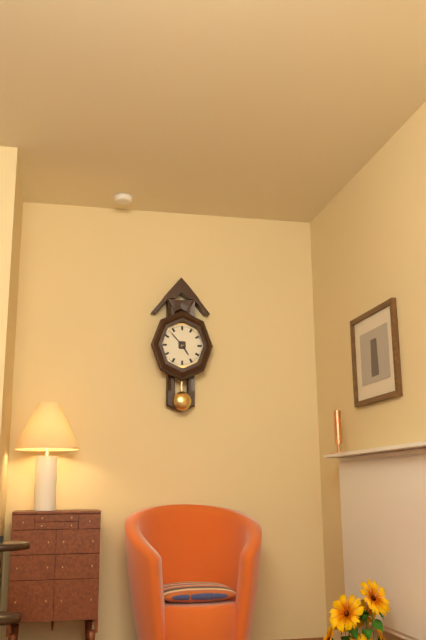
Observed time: **4:53**
